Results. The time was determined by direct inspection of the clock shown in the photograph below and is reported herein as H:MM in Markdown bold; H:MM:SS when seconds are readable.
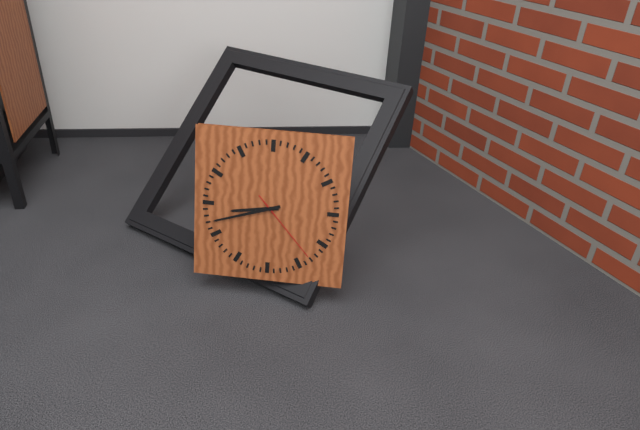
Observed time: **8:42:23**
